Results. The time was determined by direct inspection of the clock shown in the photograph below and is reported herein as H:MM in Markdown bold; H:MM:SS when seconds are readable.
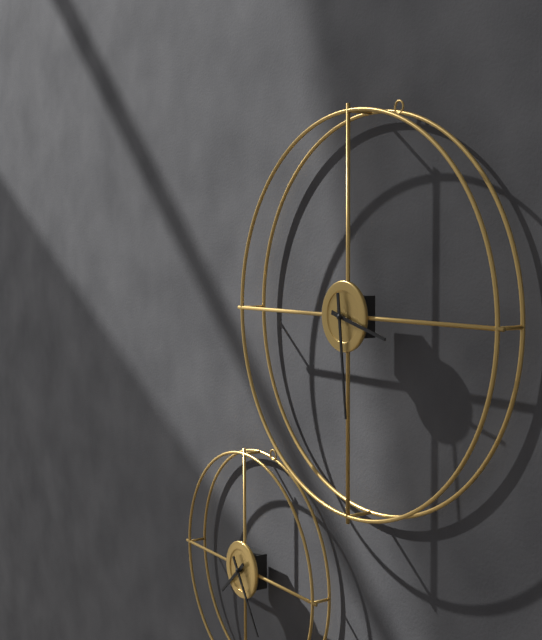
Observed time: **3:29**
